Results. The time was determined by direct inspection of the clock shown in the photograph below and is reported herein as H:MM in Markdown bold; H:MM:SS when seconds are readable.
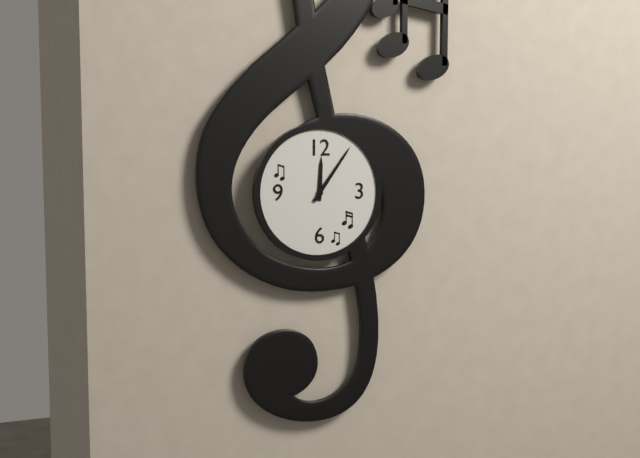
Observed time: **12:06**
